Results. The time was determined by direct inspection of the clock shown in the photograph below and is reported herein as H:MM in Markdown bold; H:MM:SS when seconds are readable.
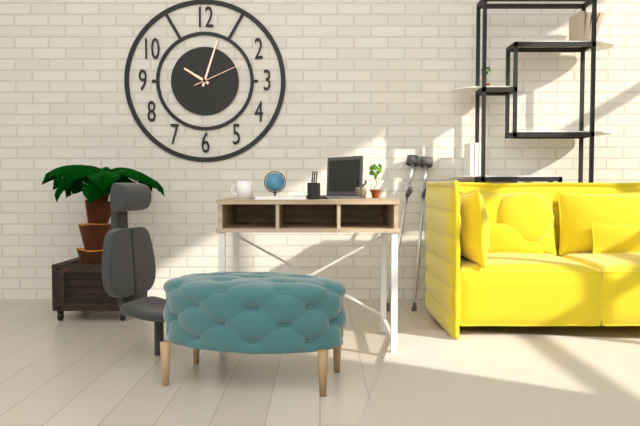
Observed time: **10:03:11**
